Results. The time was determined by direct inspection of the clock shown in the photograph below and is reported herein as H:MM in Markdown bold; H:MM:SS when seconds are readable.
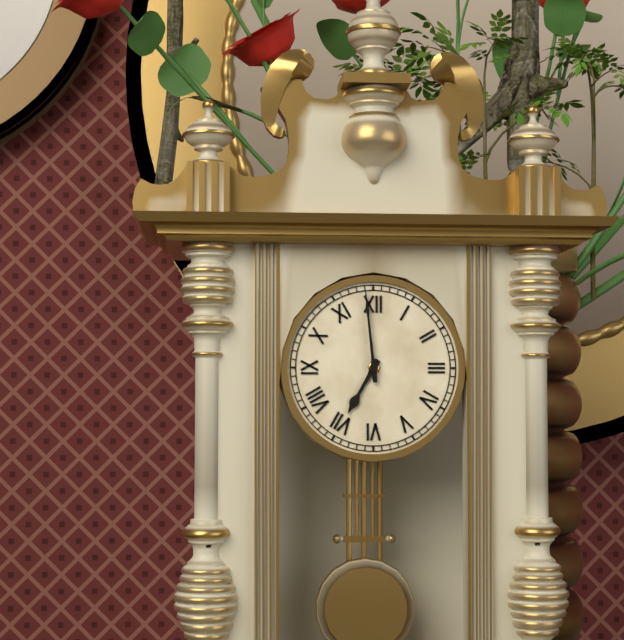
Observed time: **6:59**
